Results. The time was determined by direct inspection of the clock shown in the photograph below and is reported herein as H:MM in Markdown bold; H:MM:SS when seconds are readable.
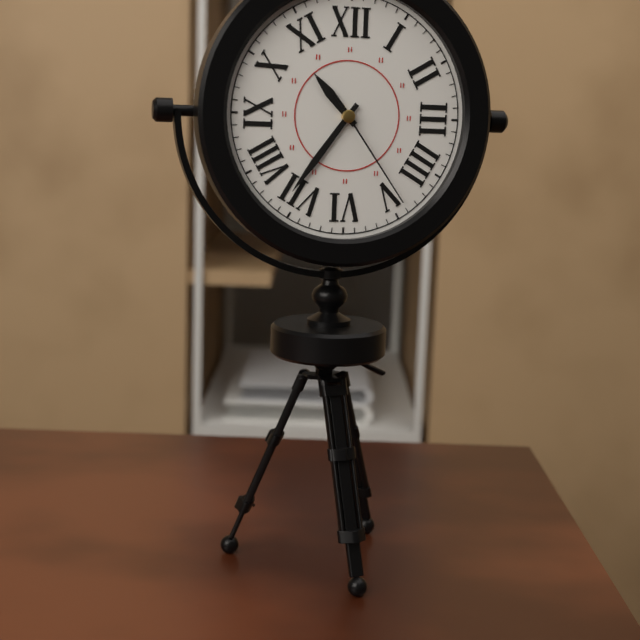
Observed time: **10:36:24**
